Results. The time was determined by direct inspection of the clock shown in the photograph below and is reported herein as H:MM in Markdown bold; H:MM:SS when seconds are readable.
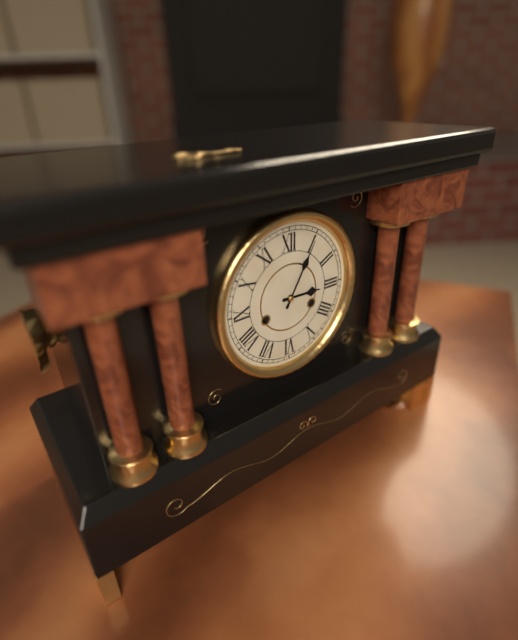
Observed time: **3:05**
